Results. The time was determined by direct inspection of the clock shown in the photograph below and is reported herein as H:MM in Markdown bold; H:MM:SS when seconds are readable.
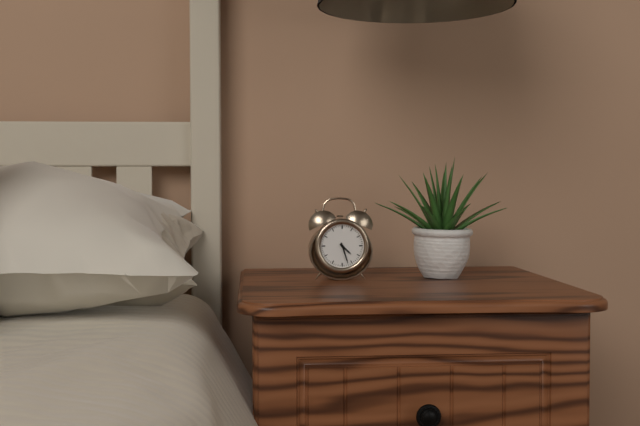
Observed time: **4:27**
